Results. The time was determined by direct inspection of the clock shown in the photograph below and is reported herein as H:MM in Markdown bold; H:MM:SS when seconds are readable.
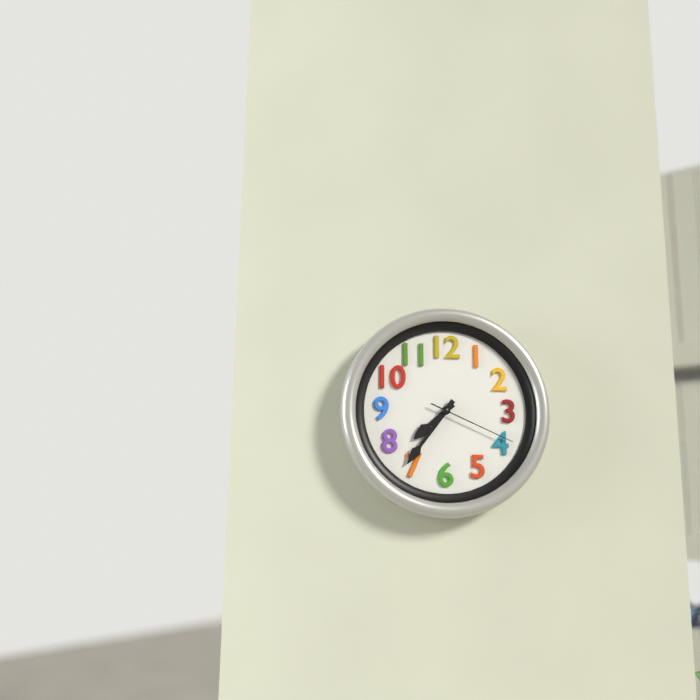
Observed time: **7:36:19**
